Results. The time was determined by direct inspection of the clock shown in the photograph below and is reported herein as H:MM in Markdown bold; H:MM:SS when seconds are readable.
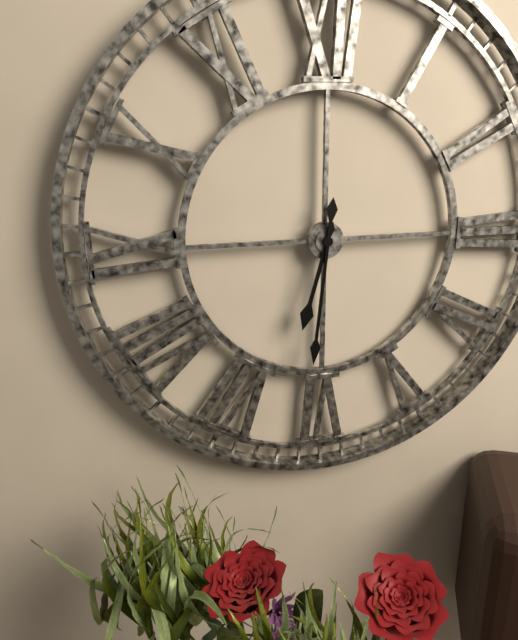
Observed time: **6:31**
